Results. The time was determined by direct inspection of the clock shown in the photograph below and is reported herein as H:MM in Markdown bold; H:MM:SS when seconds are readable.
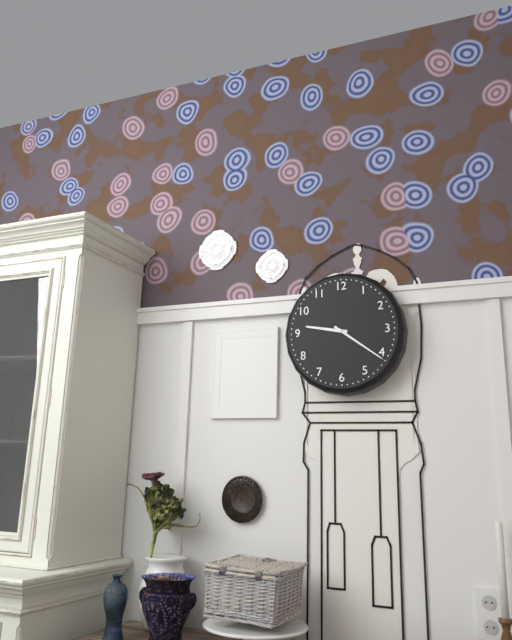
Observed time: **9:21**
